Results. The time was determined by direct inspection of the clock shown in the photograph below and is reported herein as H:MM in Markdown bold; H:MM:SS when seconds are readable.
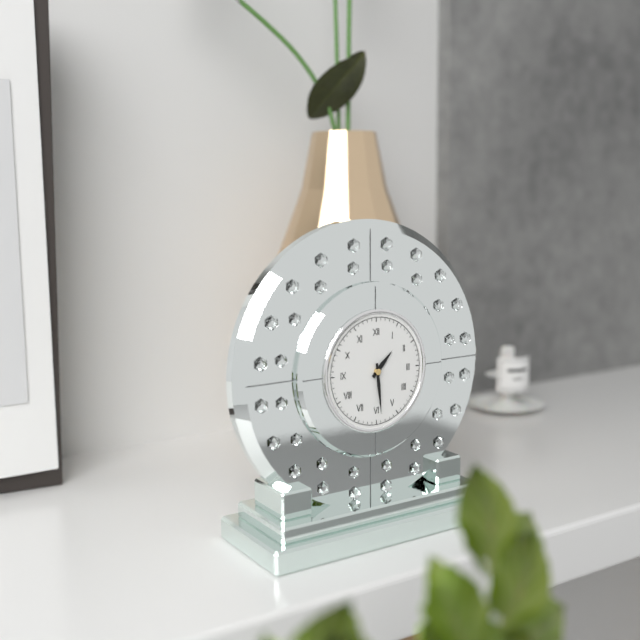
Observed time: **1:29**
